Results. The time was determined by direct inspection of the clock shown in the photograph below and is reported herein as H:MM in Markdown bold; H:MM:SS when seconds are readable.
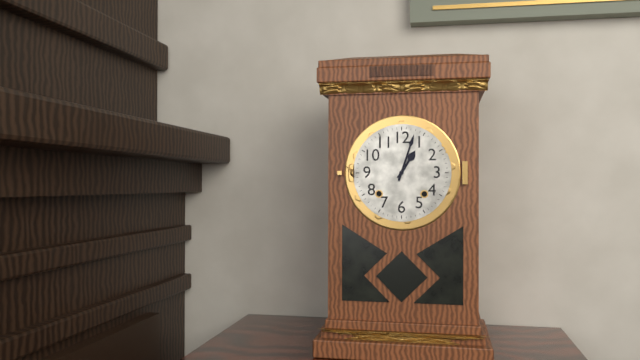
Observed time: **1:03**
